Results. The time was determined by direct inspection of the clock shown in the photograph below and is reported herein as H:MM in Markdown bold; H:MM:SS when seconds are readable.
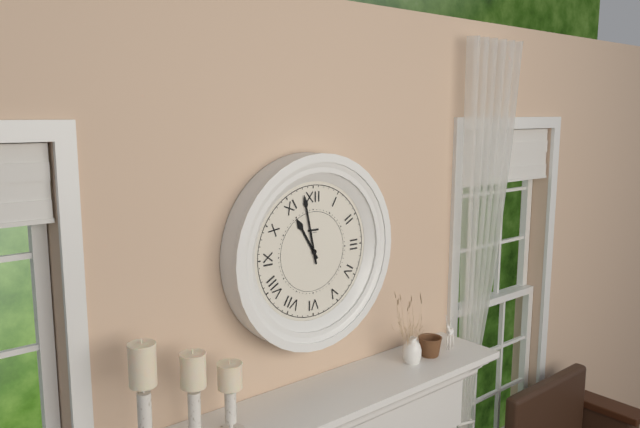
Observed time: **10:58**
